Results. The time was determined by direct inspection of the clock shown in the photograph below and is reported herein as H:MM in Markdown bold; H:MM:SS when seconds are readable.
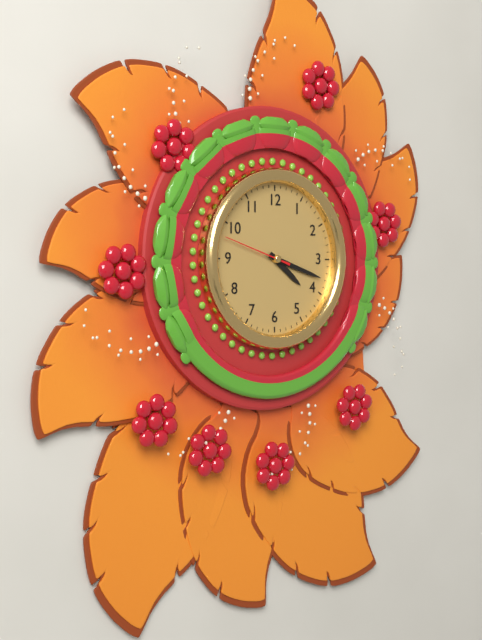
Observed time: **4:18:48**
